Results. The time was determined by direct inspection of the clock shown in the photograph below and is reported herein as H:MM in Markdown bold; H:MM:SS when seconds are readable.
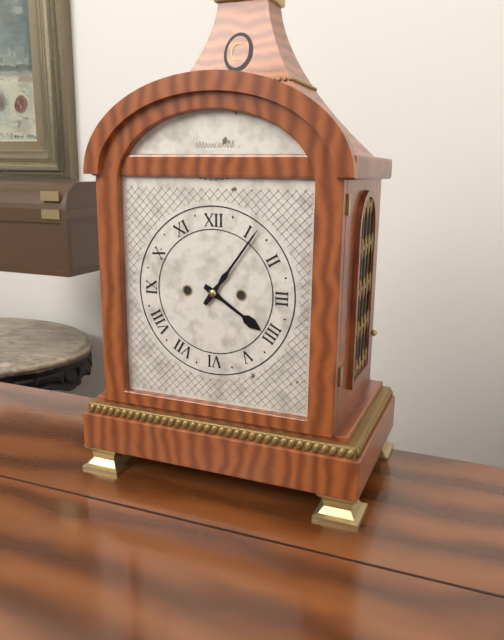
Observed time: **4:06**
